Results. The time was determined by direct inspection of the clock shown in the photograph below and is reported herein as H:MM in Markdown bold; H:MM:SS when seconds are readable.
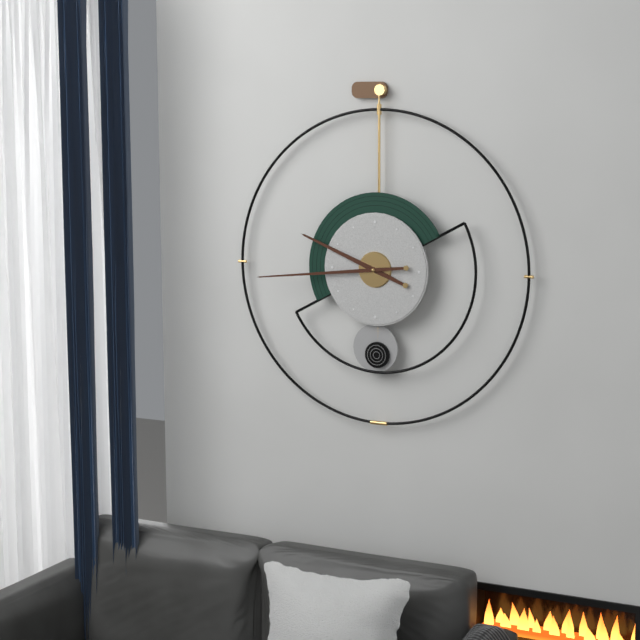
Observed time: **9:44**
